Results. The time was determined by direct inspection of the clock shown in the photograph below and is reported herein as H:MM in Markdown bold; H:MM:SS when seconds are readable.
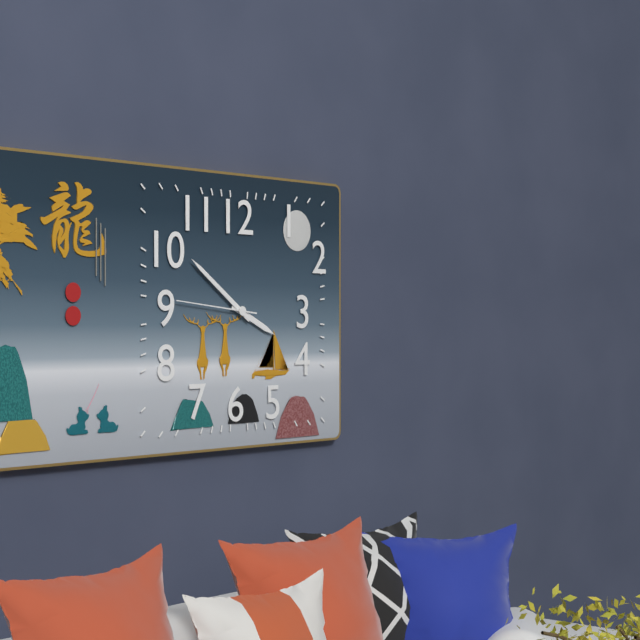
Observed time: **3:51:46**
